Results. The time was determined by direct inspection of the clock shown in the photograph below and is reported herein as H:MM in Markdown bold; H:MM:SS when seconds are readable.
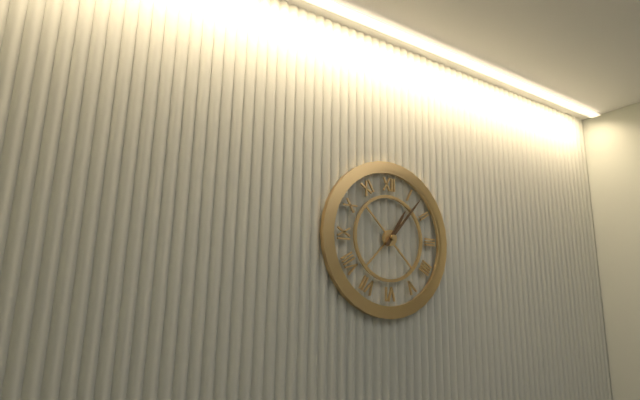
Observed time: **1:07**
